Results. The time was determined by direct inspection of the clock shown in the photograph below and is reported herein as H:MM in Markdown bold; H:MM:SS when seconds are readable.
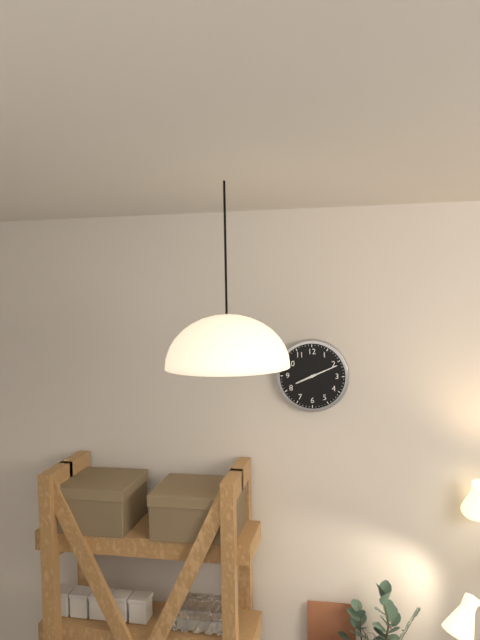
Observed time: **8:11**
